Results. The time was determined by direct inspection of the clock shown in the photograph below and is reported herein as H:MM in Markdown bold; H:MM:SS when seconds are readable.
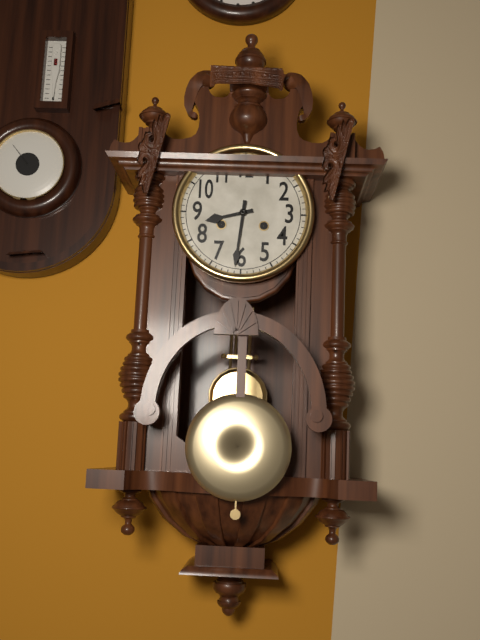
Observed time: **8:31**
